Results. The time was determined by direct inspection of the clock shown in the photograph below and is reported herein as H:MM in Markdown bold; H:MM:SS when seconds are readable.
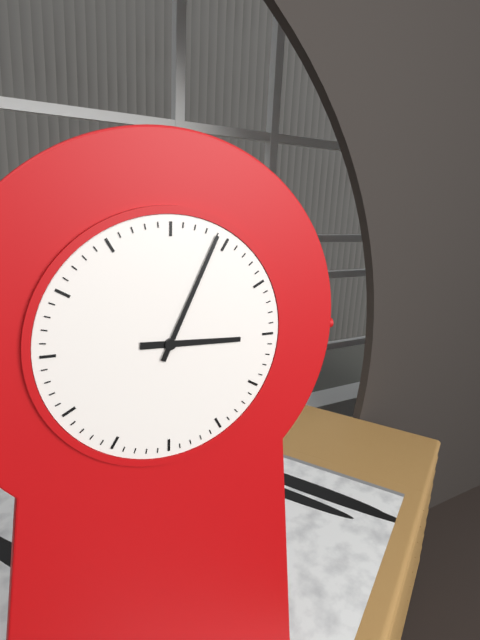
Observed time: **3:04**
